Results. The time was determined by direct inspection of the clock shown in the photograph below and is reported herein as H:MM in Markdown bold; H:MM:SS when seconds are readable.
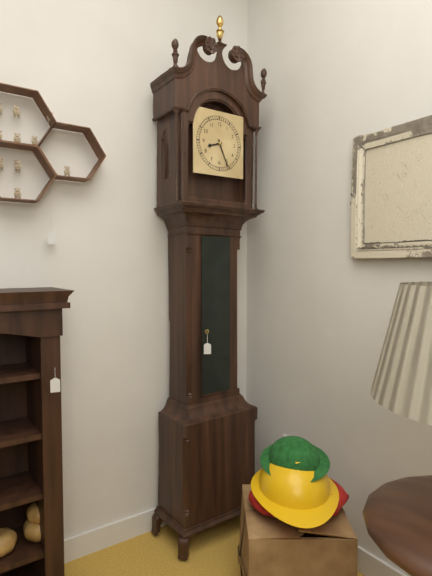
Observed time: **8:26**
